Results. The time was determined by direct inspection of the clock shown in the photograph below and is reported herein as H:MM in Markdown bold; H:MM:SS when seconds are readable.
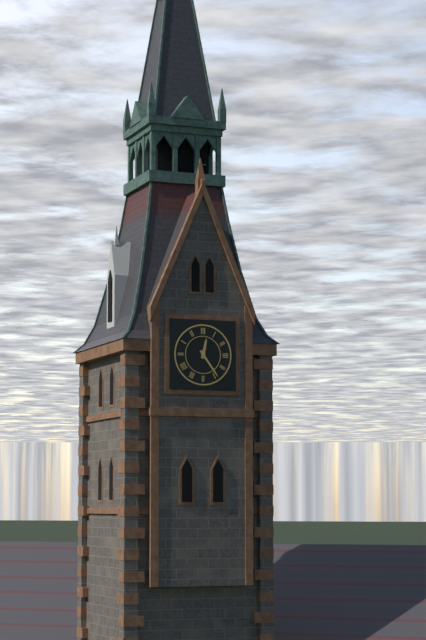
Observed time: **12:24**
